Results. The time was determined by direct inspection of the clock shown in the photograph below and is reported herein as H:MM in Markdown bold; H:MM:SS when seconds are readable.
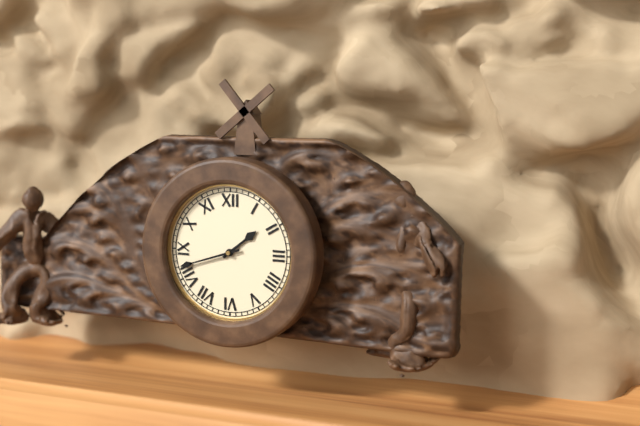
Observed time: **1:42**
